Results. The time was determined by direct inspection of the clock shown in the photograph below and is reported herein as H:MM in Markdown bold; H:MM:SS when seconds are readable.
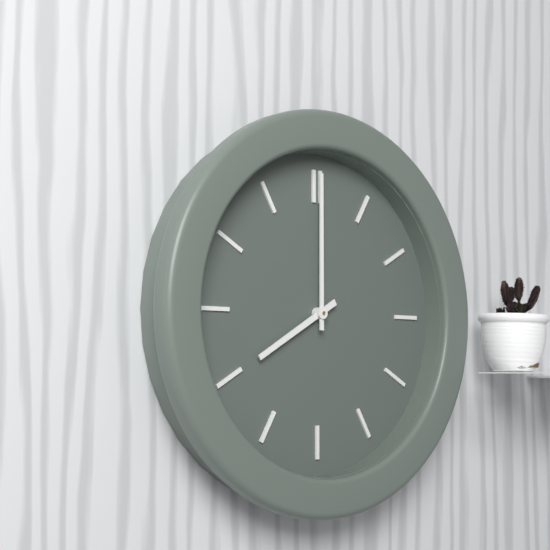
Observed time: **8:00**
